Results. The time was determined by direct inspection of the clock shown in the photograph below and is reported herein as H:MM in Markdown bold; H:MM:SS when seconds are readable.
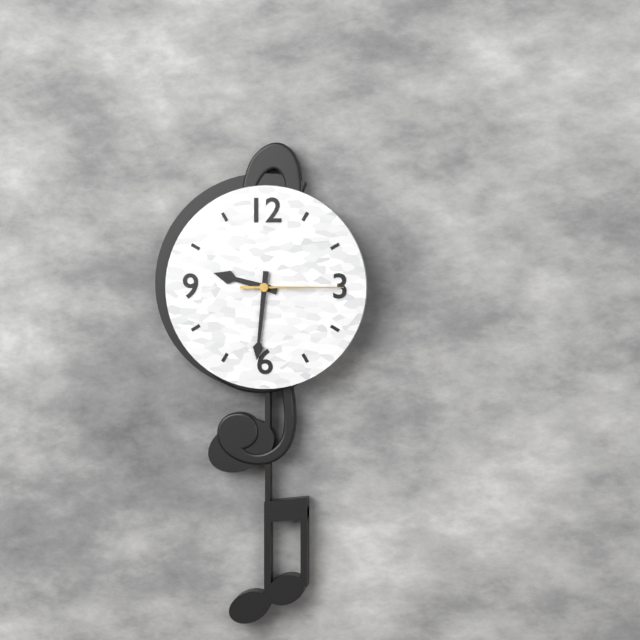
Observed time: **9:31:15**
